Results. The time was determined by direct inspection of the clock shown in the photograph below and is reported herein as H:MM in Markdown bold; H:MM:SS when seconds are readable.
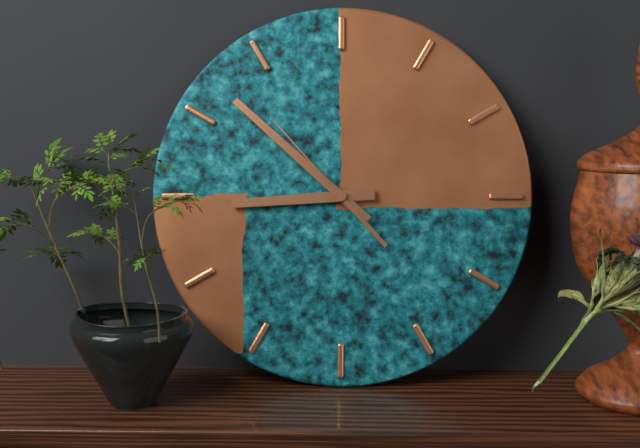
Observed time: **8:52:53**
